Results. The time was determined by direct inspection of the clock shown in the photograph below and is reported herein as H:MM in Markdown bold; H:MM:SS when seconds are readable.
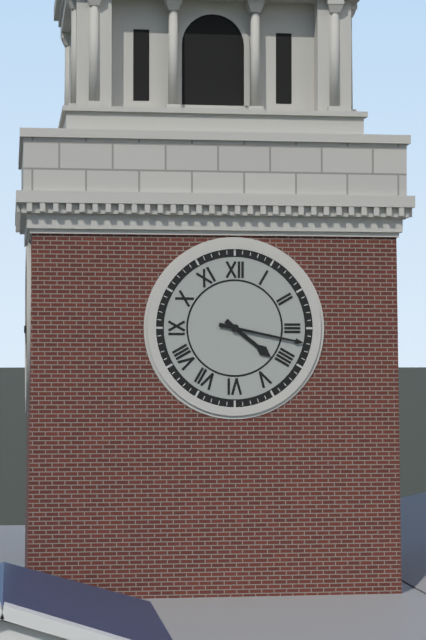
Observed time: **4:17**
